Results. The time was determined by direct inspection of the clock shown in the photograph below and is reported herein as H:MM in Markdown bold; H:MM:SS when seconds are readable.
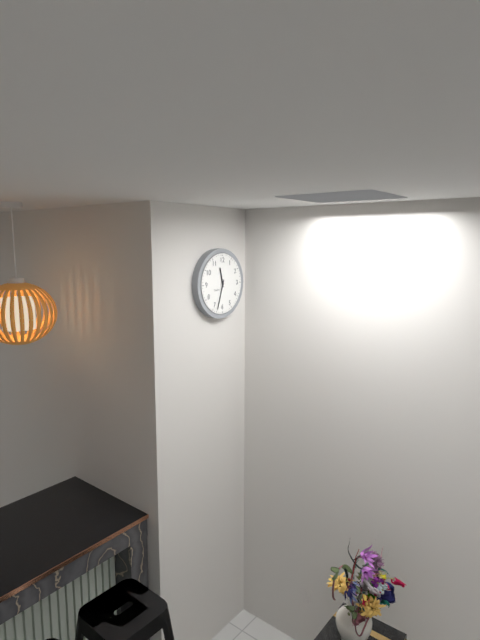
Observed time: **11:33**
